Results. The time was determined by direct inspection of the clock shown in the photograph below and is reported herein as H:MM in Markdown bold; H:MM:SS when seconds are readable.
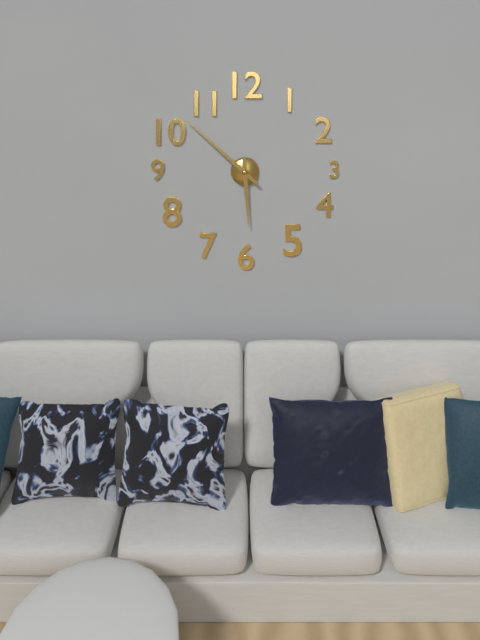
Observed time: **5:52**
